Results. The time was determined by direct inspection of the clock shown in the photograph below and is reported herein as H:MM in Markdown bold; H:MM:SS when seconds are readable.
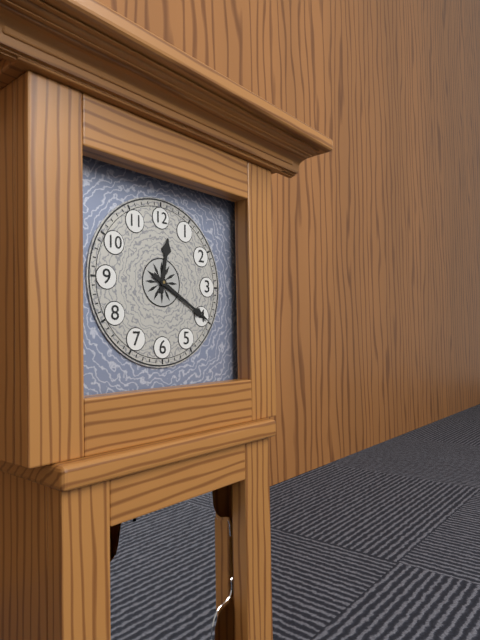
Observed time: **12:20**
